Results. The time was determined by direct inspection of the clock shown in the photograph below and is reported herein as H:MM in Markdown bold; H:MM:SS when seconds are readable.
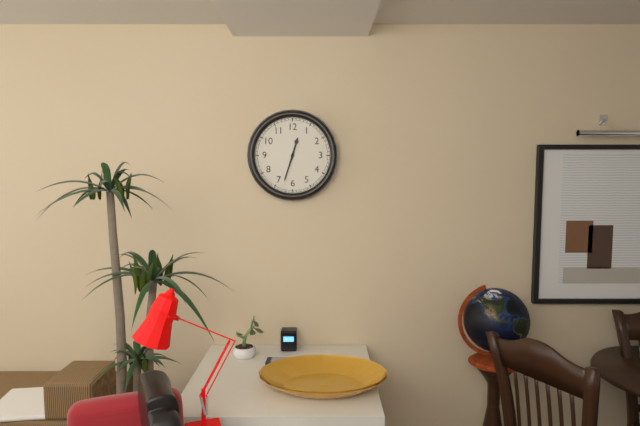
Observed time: **12:33**
